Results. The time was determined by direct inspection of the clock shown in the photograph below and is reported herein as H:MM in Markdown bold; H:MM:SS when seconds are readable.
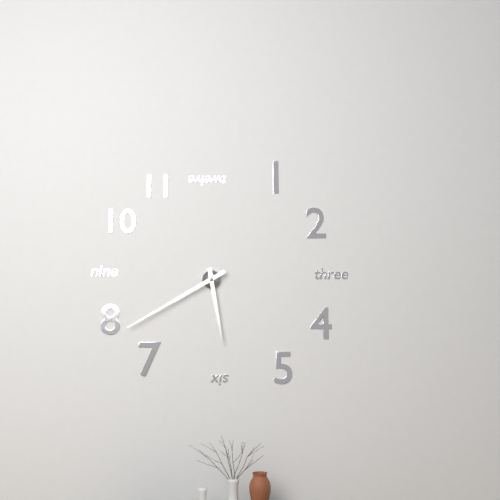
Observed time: **5:40**
